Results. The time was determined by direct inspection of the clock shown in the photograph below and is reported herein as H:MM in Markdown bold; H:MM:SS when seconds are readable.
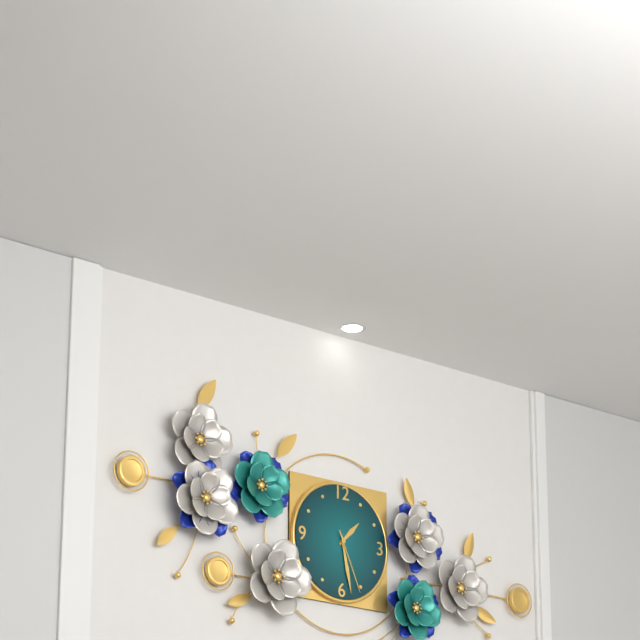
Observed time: **1:28:26**
